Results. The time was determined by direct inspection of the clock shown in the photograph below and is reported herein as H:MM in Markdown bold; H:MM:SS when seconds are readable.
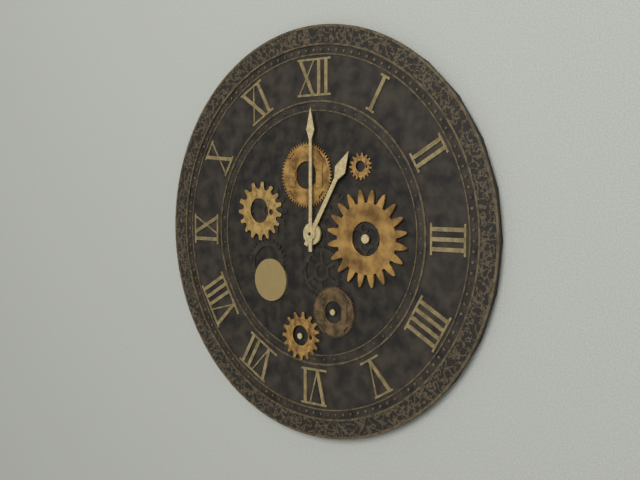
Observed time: **1:00**
